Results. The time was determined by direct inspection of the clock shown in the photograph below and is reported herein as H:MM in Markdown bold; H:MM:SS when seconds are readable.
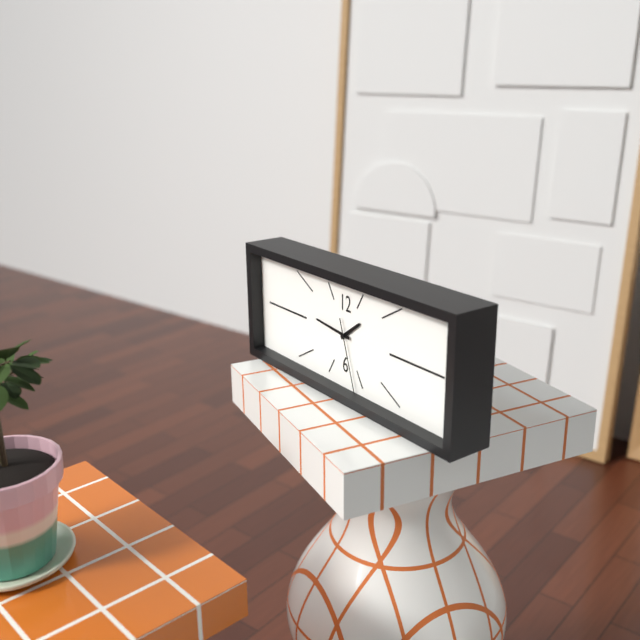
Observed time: **1:46:27**
